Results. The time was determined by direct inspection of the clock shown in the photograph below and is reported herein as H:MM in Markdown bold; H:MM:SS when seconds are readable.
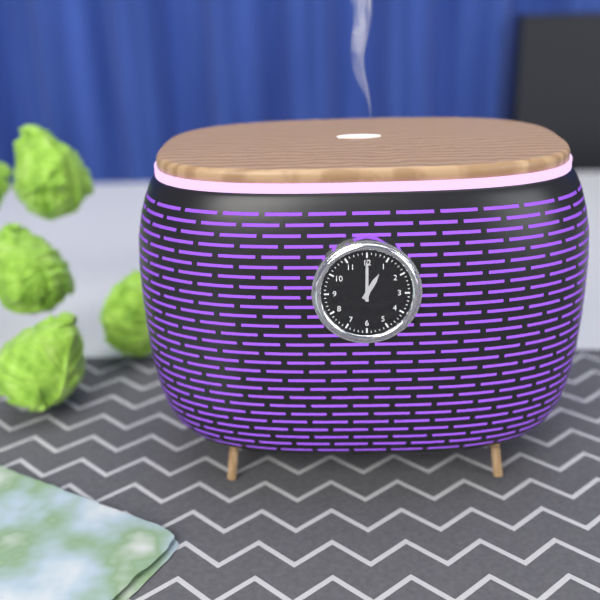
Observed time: **1:00**
